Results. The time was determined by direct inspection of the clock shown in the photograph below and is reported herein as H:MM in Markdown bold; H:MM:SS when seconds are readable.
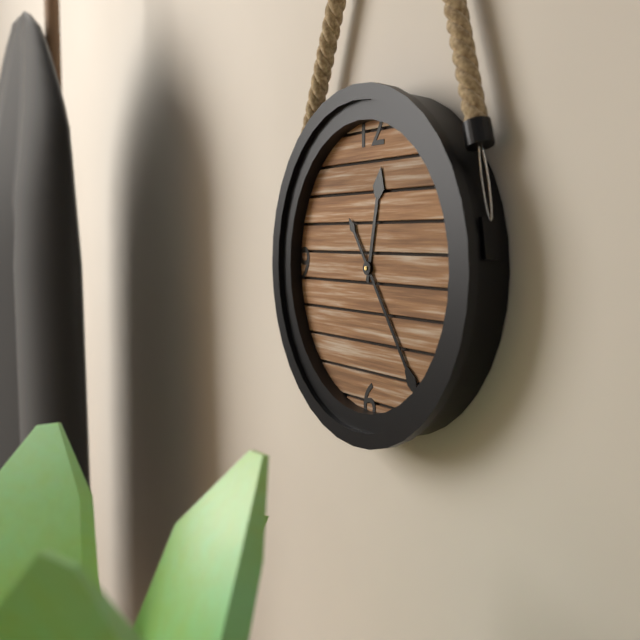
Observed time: **12:24**
